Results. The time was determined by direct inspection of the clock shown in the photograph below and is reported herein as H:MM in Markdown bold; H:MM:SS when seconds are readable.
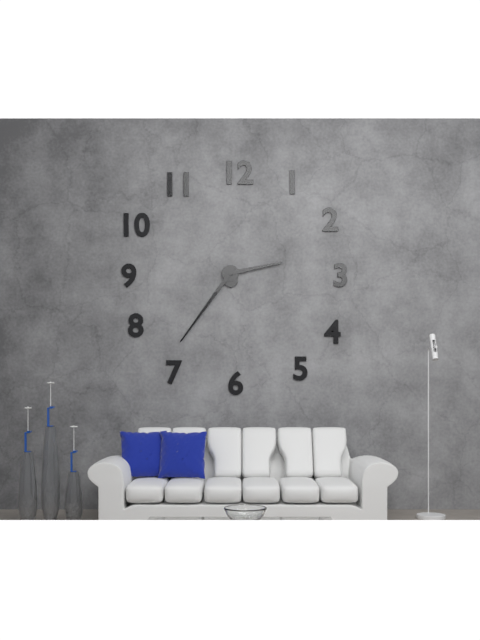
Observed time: **2:36**
